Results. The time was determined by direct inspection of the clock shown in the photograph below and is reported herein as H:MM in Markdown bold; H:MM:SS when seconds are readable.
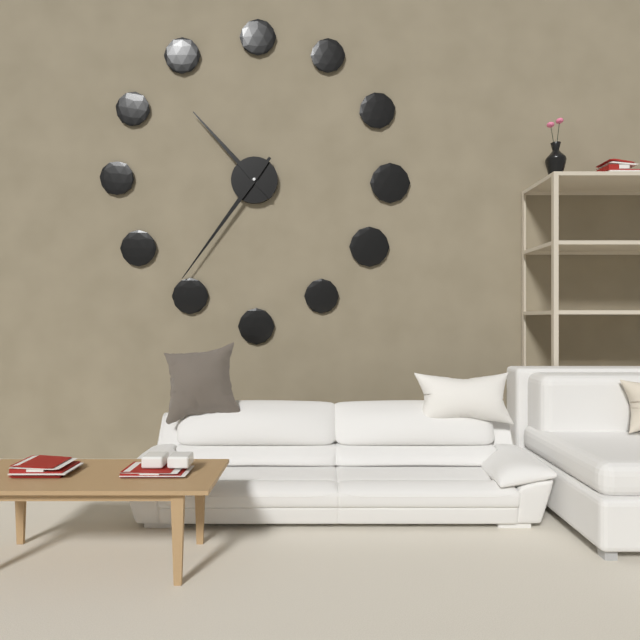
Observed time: **10:36**
